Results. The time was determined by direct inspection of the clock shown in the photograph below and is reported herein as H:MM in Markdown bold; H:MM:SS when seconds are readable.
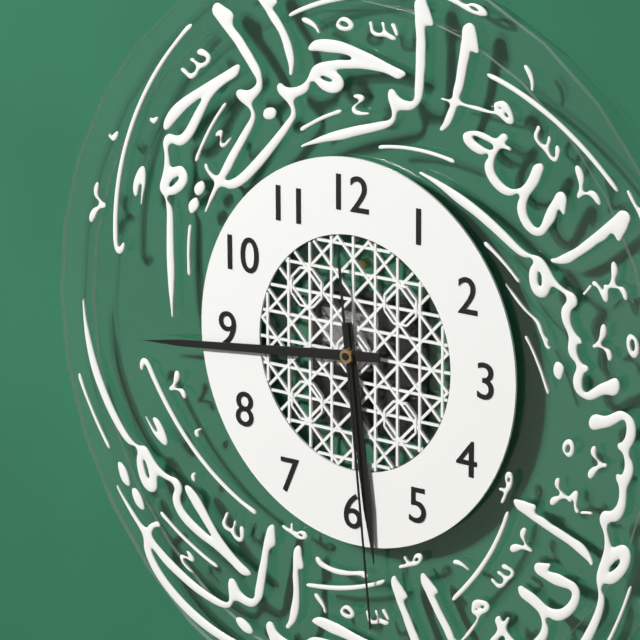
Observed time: **5:44:29**
